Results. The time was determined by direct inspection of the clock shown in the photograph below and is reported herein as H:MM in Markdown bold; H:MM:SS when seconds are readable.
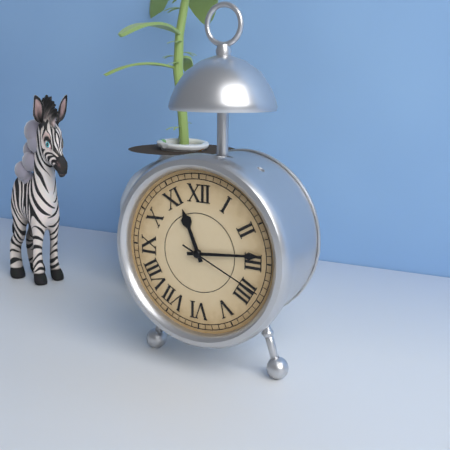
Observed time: **11:14:19**
